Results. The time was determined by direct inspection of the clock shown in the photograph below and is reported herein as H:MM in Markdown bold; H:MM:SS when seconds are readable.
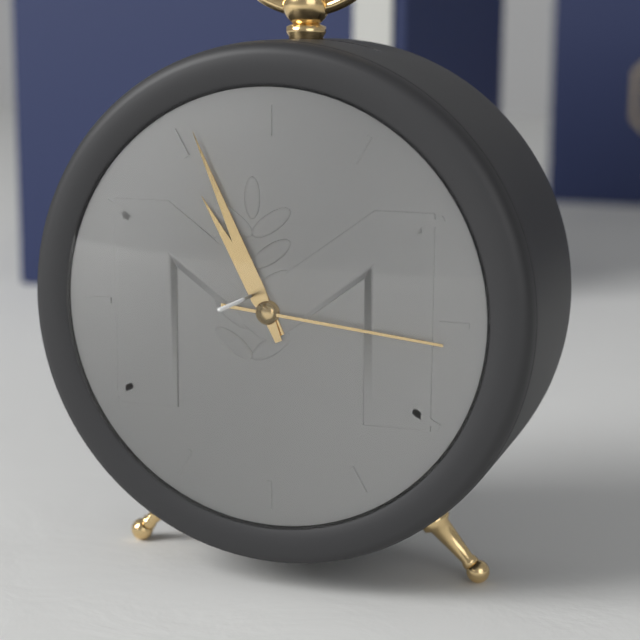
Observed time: **10:56:16**
